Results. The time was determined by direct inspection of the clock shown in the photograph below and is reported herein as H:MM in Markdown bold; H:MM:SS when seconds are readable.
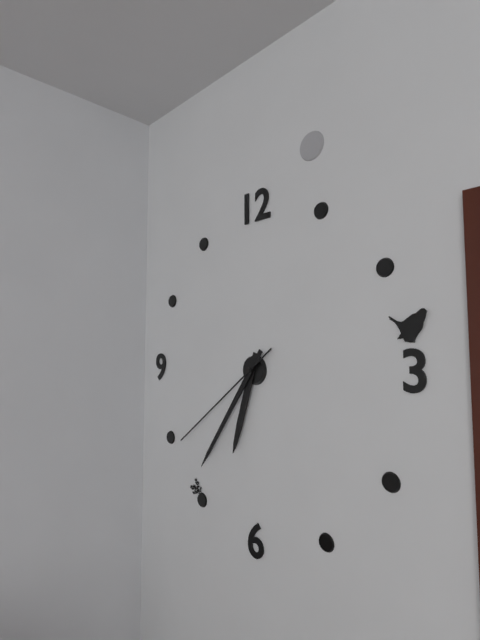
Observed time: **6:36:39**
